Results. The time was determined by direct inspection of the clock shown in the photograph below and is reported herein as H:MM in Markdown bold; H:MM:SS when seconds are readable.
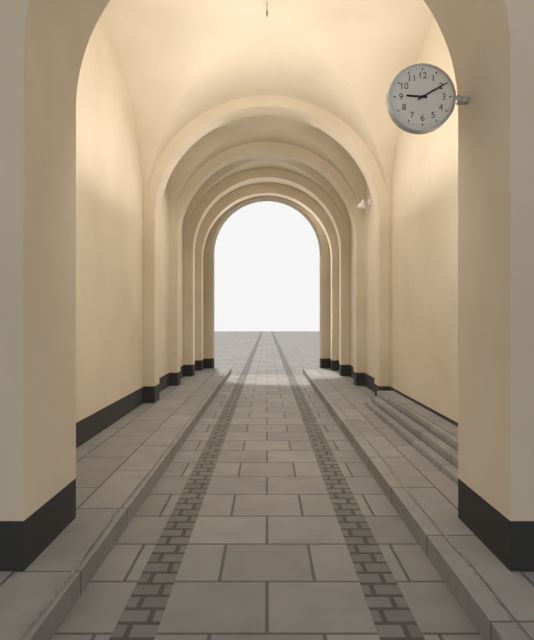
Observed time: **9:10**
